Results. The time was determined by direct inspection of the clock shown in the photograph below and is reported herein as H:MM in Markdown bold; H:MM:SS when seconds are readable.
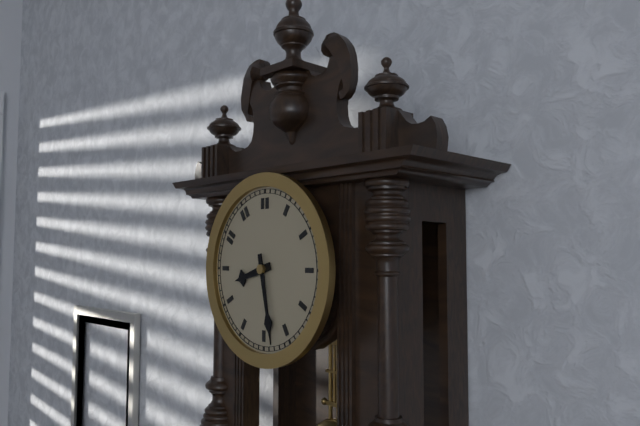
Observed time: **8:28**
